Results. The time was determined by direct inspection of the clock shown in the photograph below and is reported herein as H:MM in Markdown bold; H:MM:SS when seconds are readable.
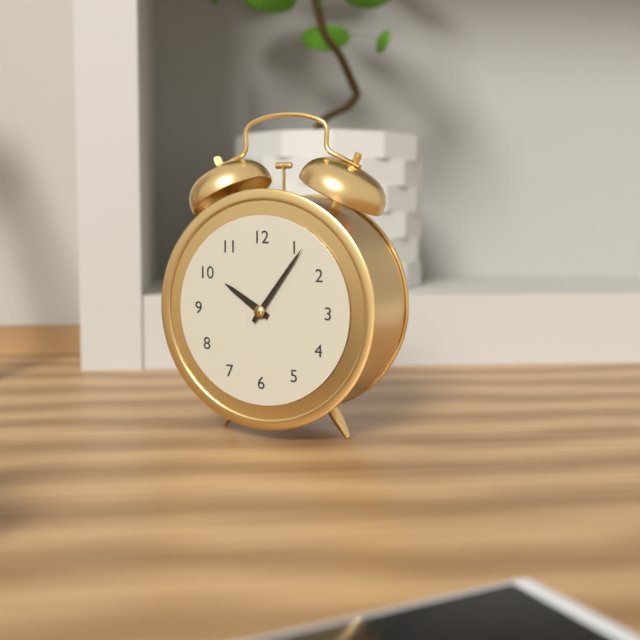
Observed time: **10:06**
